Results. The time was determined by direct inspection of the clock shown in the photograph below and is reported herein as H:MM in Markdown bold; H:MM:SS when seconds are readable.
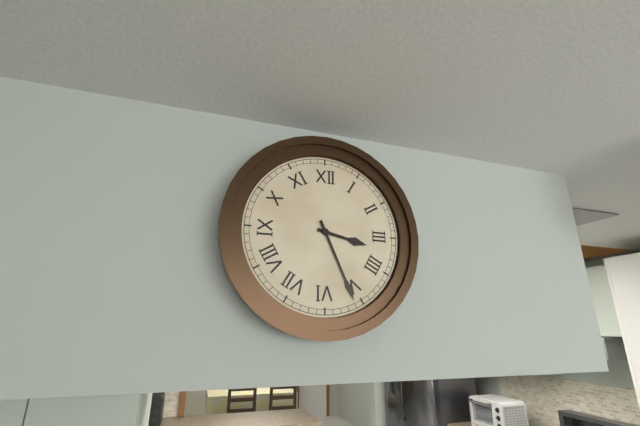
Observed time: **3:26**
